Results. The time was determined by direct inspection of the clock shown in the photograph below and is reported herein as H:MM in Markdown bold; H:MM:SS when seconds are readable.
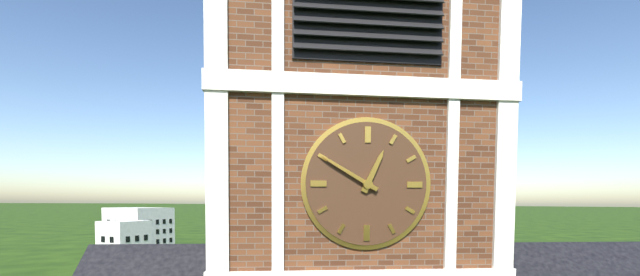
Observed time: **12:50**
